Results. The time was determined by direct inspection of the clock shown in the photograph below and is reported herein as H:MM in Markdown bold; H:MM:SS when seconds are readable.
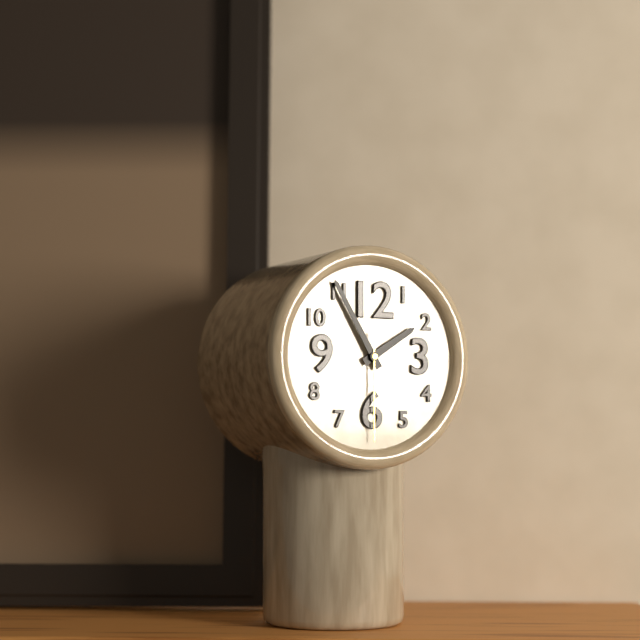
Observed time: **1:55:30**
